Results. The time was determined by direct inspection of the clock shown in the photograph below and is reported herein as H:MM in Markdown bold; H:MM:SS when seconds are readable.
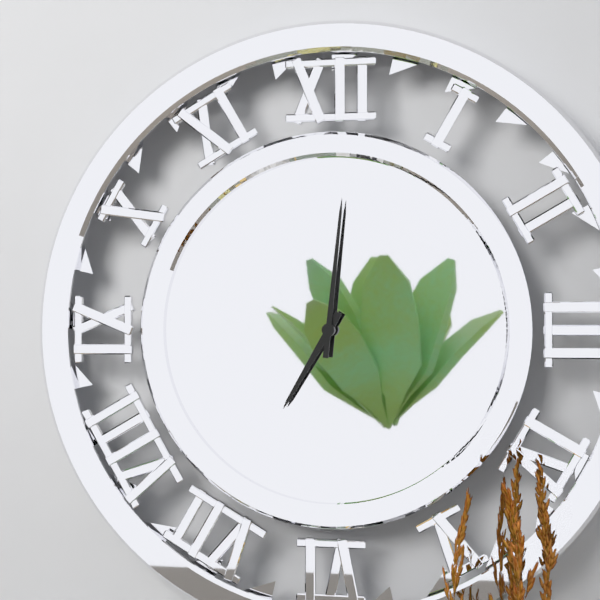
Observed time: **7:01**
